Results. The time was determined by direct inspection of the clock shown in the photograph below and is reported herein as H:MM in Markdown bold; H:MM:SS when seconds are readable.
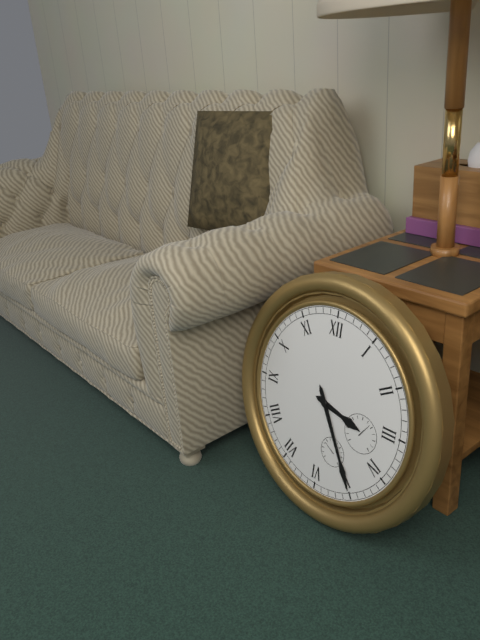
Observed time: **3:25**
